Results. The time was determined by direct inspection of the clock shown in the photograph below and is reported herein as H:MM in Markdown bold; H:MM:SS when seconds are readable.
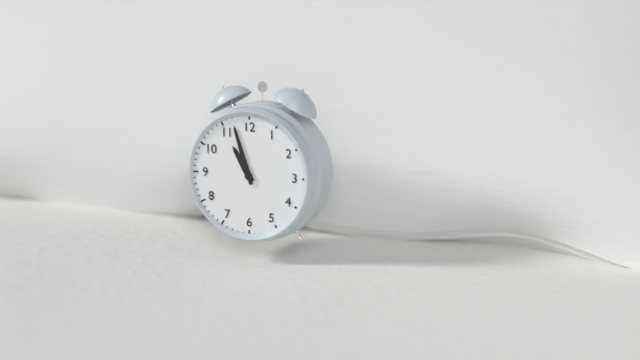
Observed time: **10:57**
